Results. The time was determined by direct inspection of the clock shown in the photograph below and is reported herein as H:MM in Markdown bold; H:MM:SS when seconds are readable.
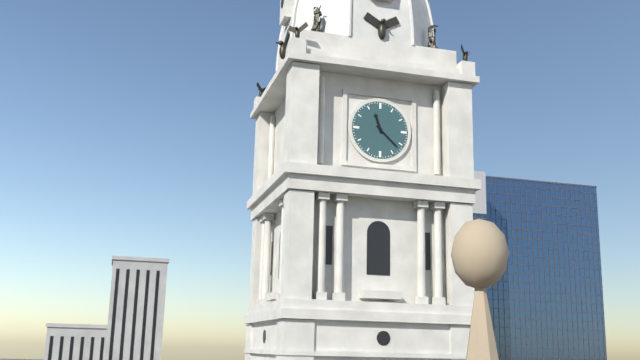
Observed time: **11:22**
